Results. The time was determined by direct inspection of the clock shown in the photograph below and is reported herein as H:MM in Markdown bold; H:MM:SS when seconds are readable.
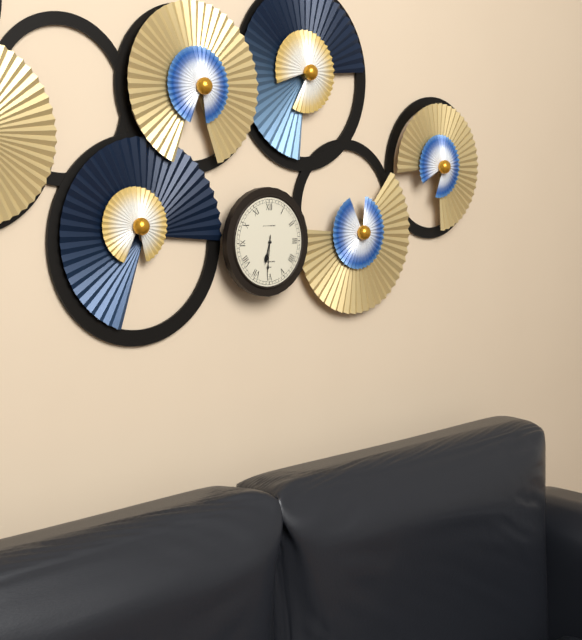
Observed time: **6:31**
